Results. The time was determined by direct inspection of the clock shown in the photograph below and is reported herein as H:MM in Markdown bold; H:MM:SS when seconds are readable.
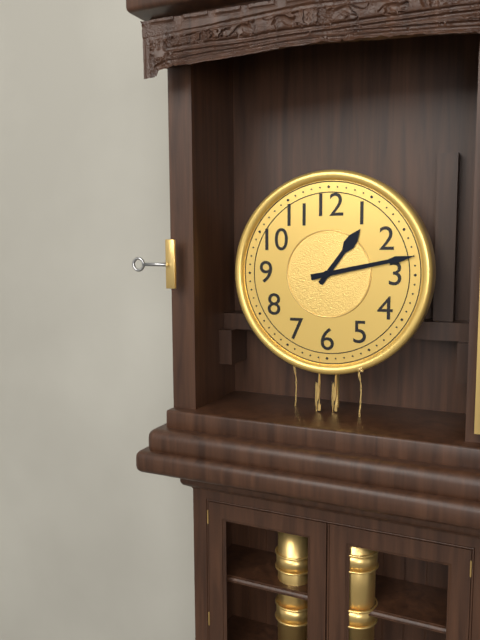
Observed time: **1:13**
